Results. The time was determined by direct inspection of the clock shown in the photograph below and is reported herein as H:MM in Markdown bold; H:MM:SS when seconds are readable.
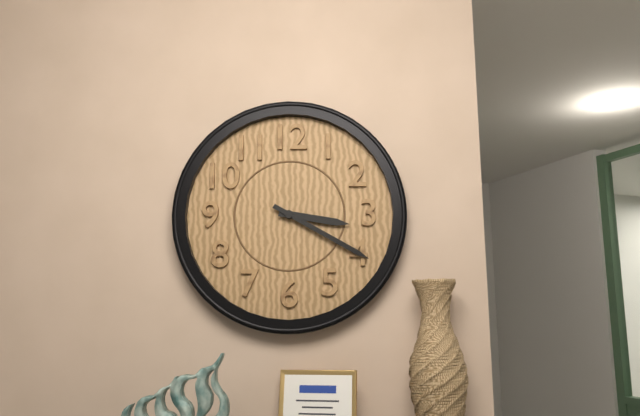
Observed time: **3:20**
